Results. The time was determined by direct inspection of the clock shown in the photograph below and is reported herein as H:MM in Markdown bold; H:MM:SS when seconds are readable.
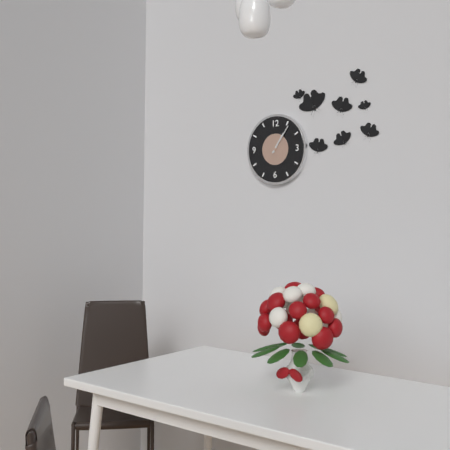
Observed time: **1:06**
